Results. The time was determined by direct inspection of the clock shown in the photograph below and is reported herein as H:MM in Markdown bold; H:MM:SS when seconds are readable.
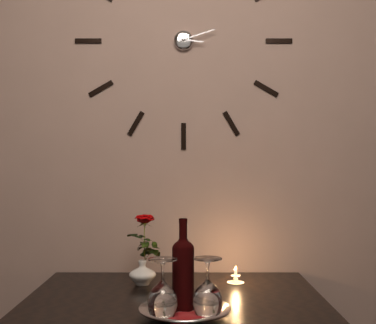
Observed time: **3:12**
